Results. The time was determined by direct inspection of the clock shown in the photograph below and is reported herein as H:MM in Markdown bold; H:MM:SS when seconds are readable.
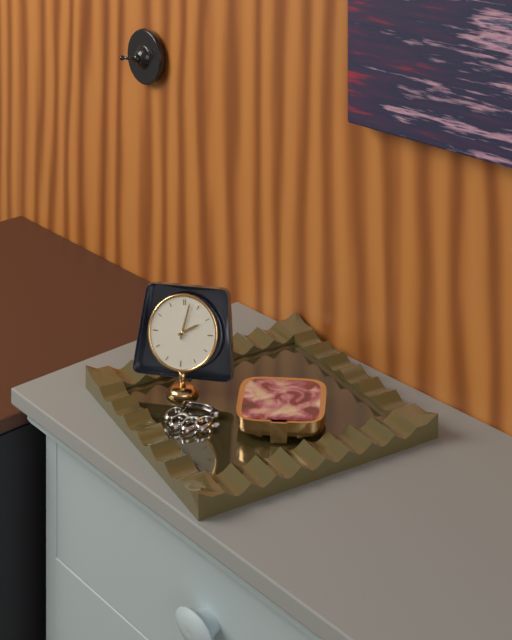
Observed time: **2:02**
